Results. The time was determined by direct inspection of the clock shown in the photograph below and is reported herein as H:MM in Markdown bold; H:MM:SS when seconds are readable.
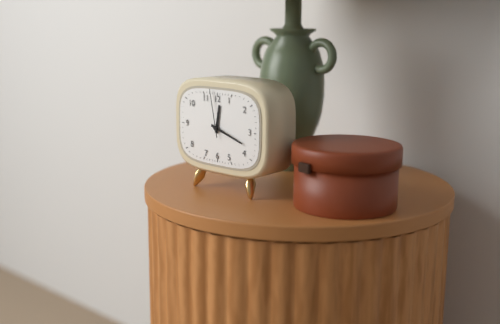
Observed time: **12:18**
